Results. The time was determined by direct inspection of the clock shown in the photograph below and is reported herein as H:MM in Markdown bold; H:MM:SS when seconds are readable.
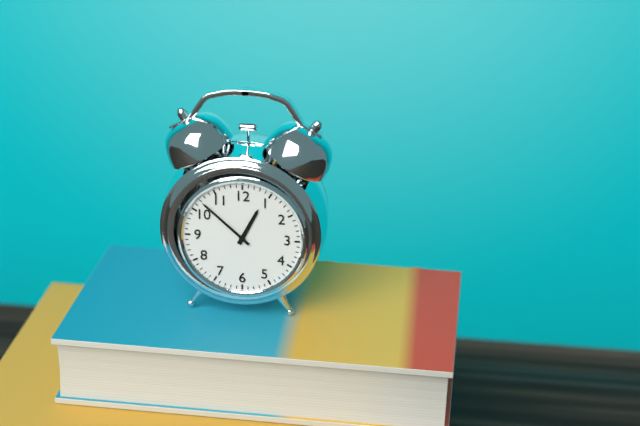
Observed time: **12:52**
